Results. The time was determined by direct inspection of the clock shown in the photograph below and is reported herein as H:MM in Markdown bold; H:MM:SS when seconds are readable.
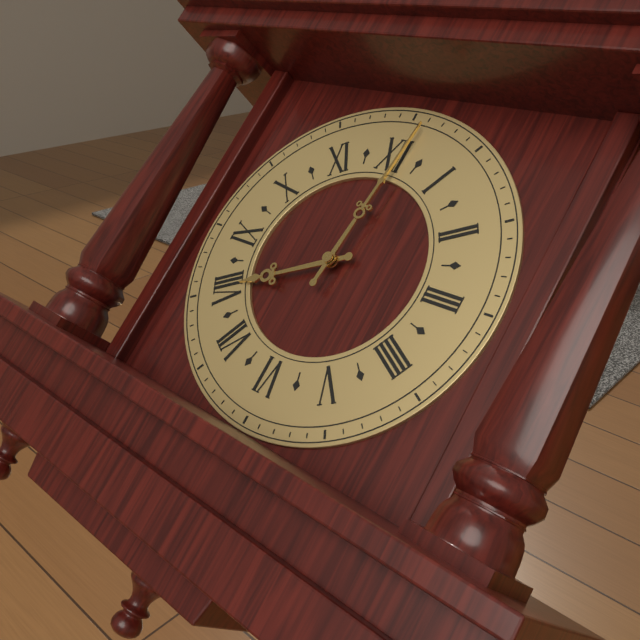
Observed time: **8:01**
